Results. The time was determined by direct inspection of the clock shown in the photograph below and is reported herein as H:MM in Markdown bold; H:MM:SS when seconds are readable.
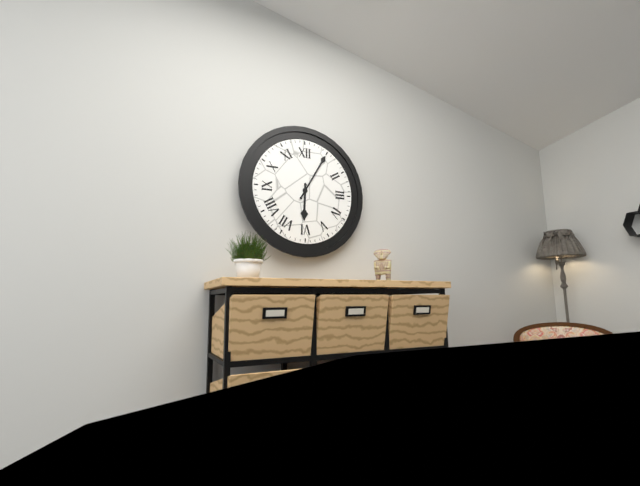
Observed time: **6:05**
